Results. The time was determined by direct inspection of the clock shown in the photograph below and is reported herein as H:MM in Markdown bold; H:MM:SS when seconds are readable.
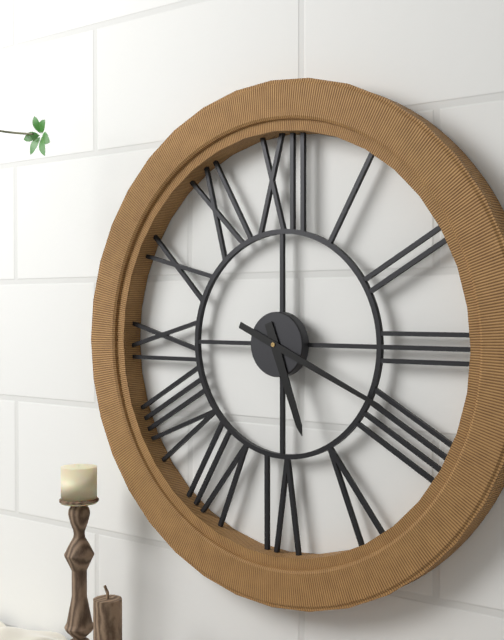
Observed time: **5:19**
